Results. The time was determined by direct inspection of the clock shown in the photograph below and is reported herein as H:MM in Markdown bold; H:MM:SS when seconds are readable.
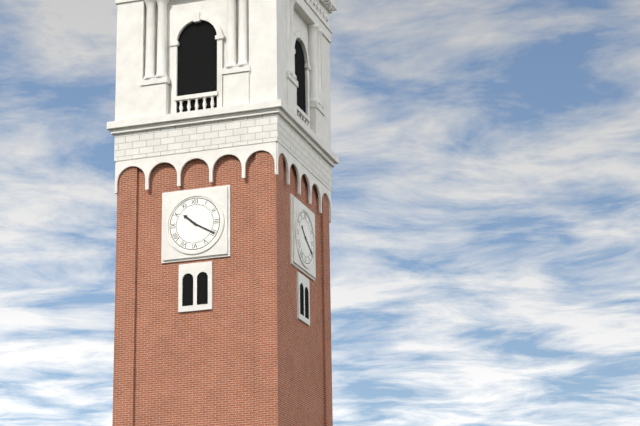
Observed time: **10:20**
